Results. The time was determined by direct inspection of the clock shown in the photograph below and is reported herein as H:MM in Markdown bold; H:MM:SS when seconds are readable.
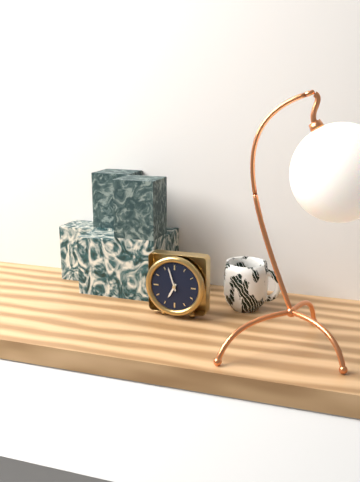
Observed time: **6:57**
